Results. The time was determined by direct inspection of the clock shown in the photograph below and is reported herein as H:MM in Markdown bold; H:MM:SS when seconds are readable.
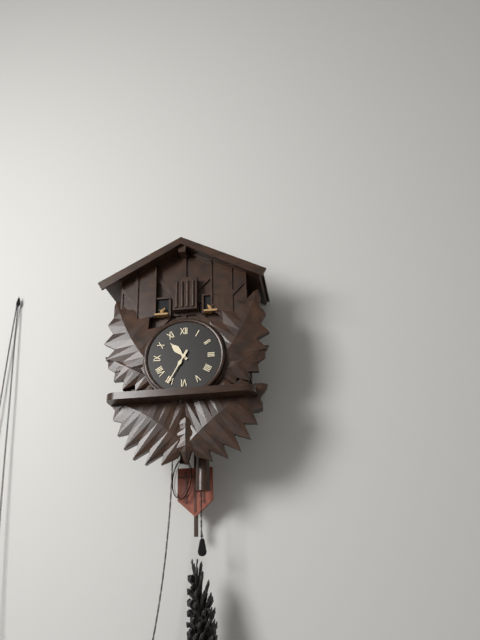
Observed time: **10:35**
